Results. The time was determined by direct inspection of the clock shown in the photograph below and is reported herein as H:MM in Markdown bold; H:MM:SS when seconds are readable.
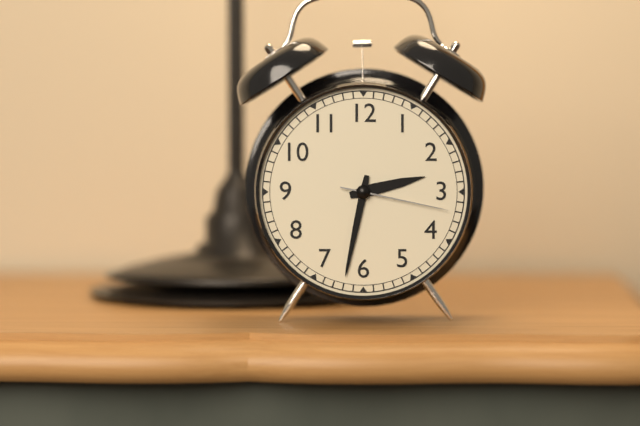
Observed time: **2:32:17**
